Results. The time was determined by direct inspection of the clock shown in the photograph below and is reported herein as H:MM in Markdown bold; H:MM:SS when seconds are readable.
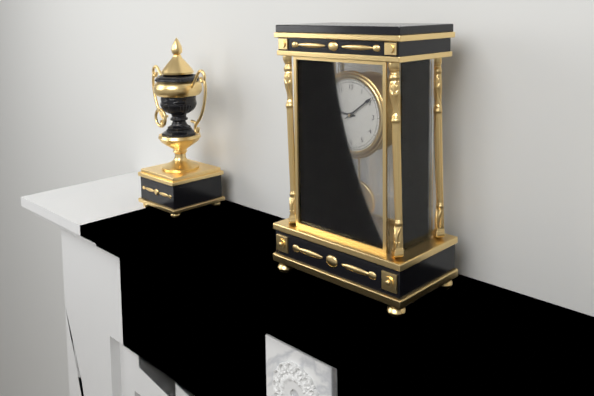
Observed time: **9:09**
